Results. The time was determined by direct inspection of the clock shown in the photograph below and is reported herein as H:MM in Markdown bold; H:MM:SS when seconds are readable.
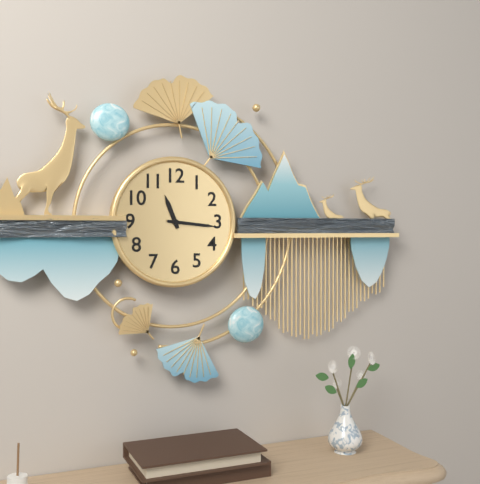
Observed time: **11:16**
